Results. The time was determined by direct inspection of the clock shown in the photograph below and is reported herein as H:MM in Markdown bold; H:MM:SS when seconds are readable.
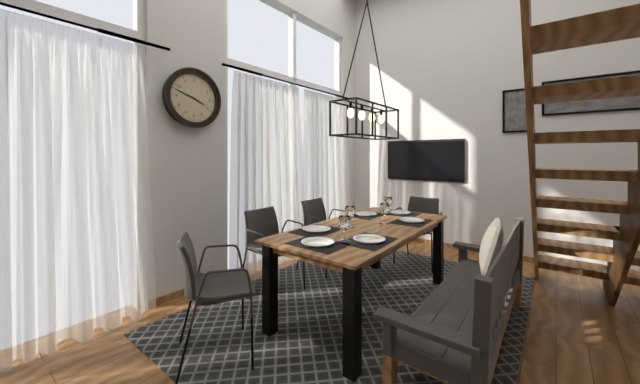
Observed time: **3:48**
